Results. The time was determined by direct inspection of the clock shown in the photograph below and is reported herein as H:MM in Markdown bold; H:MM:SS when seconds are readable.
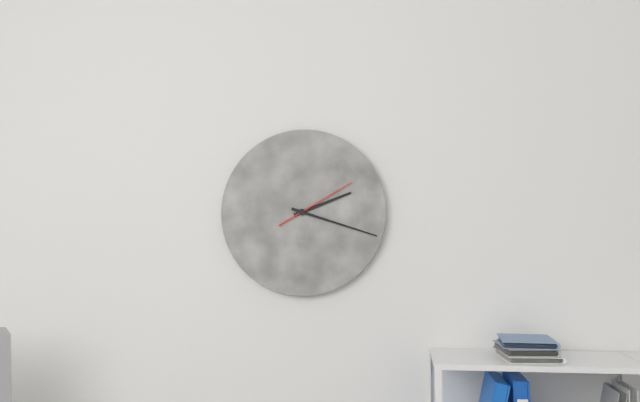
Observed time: **2:18:10**
